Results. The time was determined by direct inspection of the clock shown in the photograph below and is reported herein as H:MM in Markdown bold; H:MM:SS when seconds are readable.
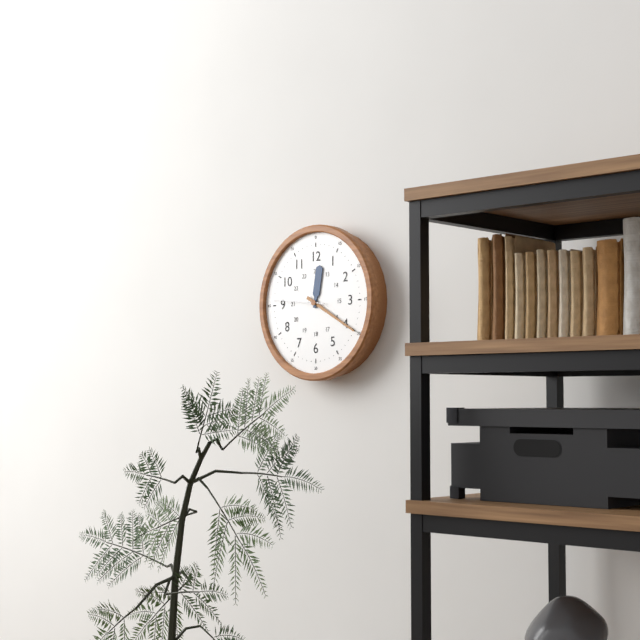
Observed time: **12:20:46**
